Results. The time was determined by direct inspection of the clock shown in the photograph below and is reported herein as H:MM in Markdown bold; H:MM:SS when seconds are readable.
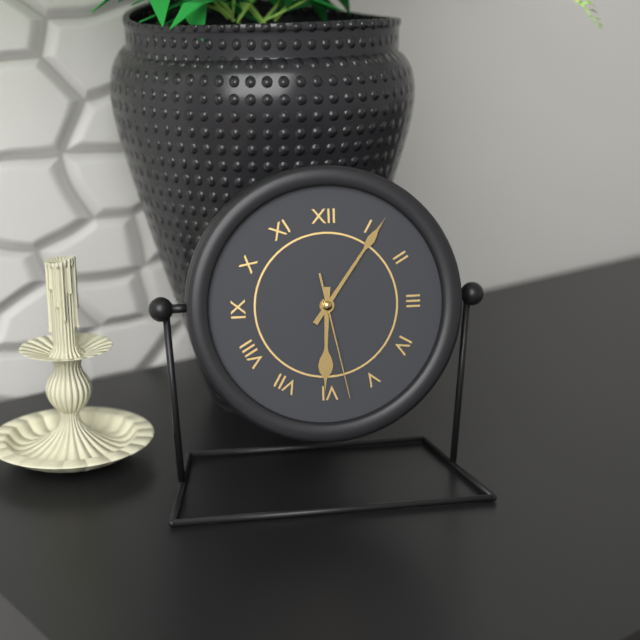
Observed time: **6:06:28**
